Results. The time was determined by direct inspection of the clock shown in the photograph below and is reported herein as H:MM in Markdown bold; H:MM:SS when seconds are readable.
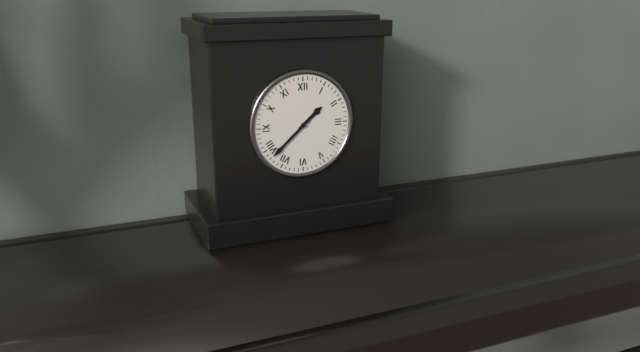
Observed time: **1:38**
